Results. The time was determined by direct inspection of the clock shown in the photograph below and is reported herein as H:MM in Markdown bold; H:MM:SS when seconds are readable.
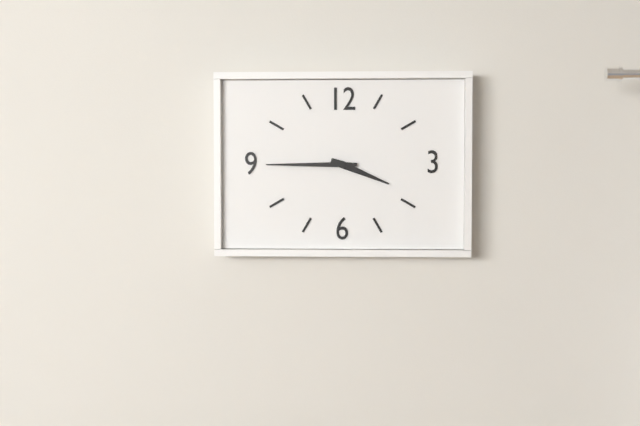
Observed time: **3:45**
